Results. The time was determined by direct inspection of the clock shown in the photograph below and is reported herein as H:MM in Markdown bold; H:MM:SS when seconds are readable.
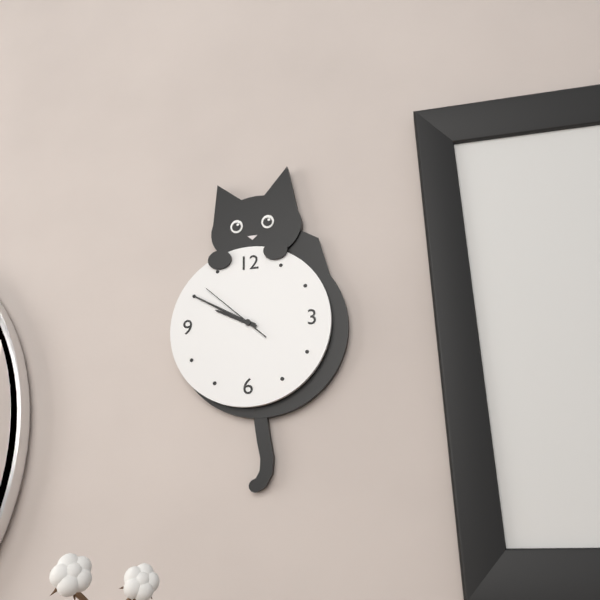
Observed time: **9:50:52**
